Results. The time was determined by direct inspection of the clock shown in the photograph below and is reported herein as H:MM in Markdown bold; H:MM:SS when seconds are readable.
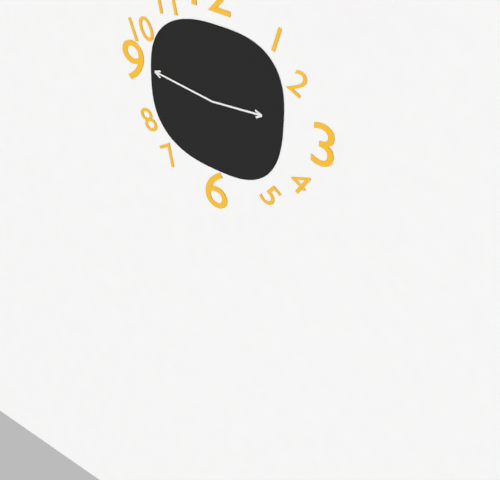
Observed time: **2:46**
